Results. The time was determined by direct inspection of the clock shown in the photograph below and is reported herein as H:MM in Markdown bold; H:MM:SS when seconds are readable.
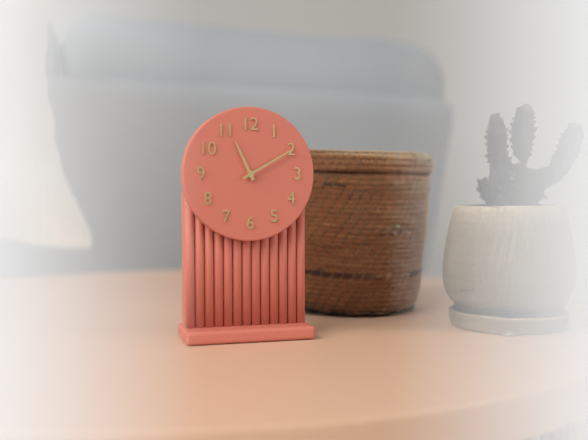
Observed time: **11:10**
